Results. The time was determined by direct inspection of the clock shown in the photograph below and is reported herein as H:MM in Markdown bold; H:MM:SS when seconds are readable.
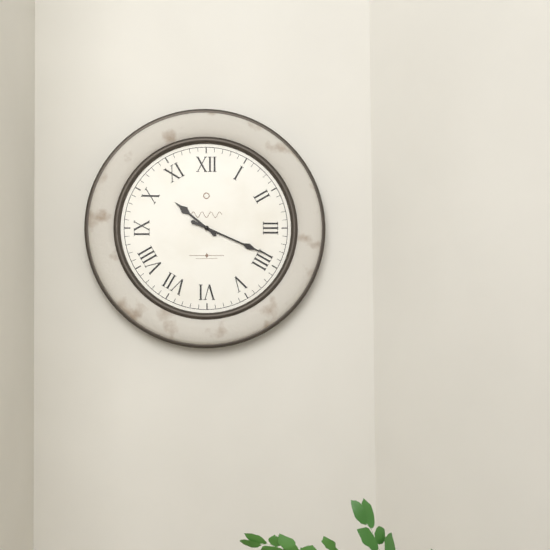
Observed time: **10:19**
